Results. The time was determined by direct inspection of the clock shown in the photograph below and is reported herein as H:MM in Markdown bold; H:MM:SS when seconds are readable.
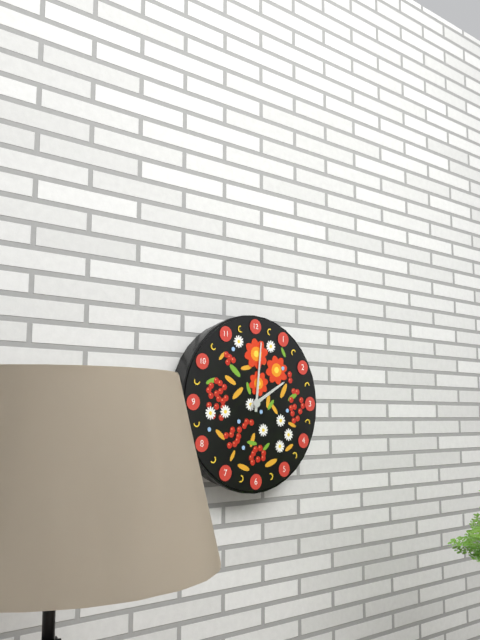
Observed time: **2:01**
